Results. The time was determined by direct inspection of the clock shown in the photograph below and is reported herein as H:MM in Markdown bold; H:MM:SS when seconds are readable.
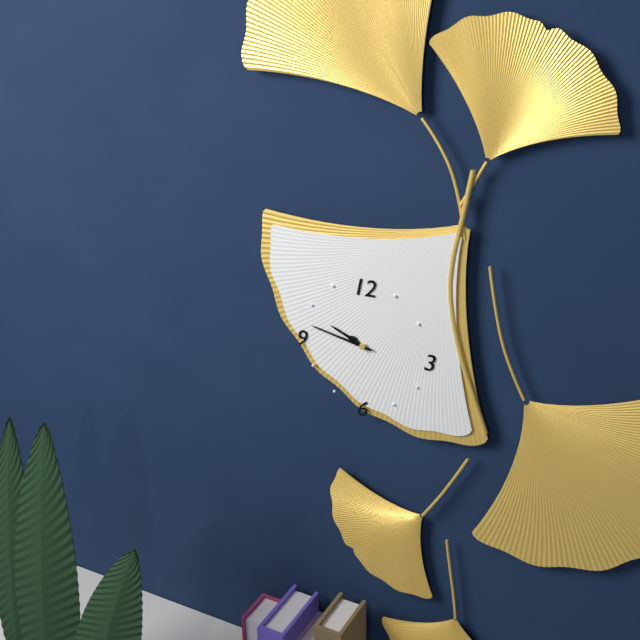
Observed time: **9:47**
